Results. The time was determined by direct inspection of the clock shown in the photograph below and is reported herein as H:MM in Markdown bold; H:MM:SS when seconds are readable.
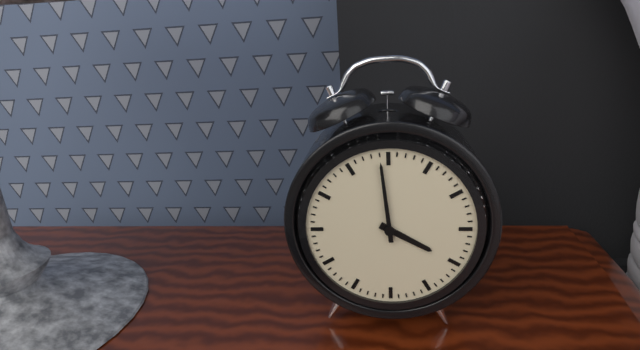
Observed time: **3:59**
